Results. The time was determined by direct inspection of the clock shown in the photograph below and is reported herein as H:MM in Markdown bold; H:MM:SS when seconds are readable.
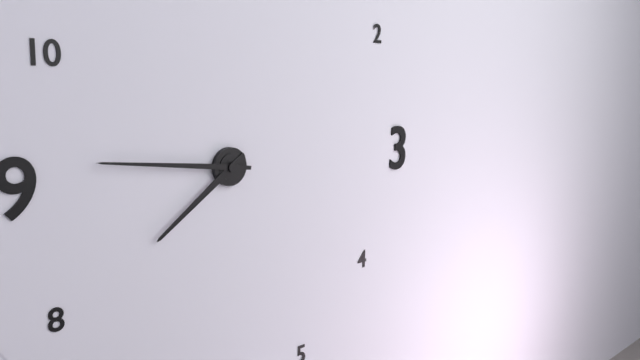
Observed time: **7:46**
